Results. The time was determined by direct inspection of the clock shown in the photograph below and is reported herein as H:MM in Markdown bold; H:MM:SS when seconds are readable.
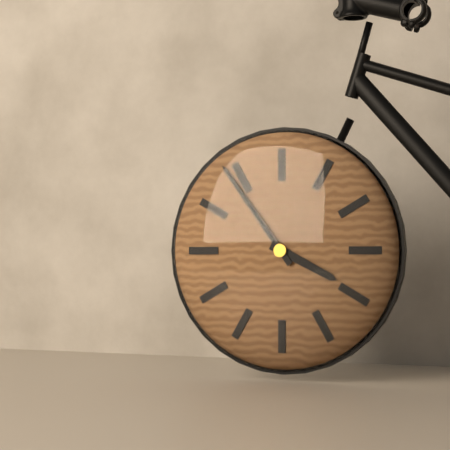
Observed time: **3:54**
